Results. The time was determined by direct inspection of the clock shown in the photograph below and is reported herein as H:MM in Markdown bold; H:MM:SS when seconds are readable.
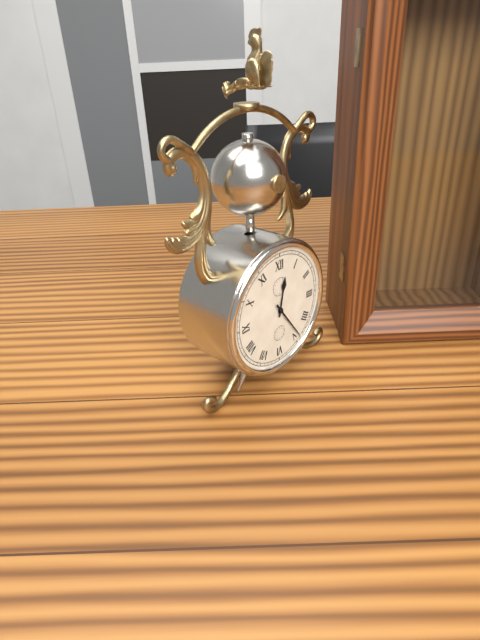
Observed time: **12:24**
